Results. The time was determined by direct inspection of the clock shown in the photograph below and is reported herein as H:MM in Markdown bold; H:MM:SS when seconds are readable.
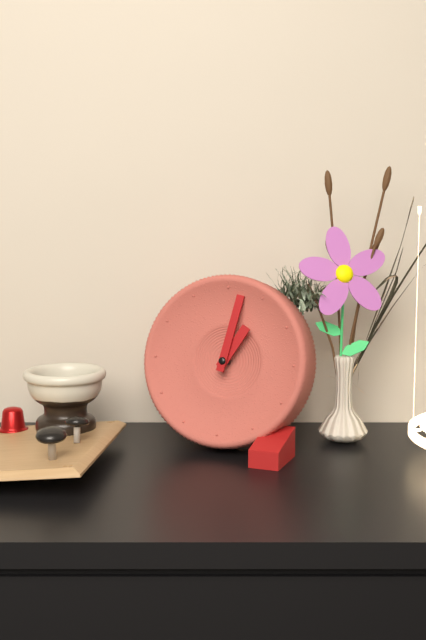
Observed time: **1:02**
